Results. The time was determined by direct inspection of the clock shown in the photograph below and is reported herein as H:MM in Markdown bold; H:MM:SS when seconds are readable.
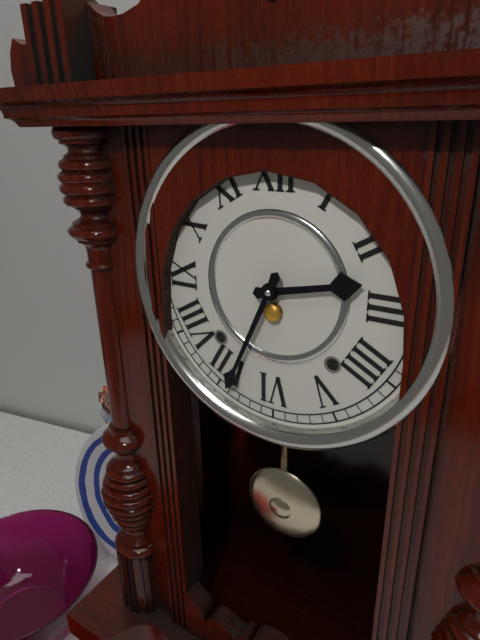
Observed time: **2:34**
